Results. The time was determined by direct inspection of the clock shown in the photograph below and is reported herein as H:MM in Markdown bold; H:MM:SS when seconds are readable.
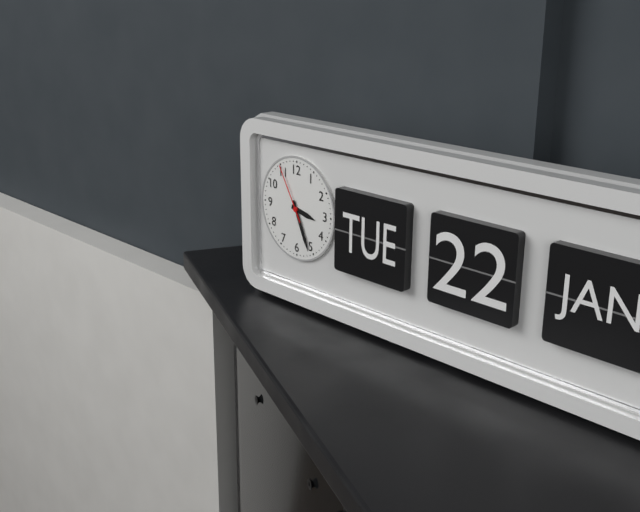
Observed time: **3:26:55**
